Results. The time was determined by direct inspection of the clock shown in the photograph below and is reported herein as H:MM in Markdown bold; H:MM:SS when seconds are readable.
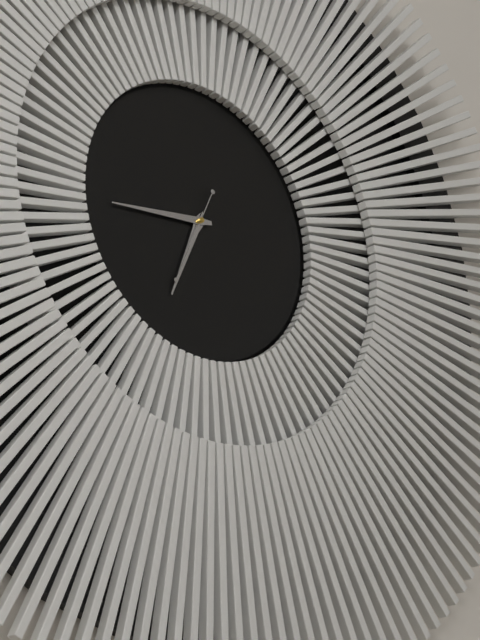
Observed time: **6:44:34**
